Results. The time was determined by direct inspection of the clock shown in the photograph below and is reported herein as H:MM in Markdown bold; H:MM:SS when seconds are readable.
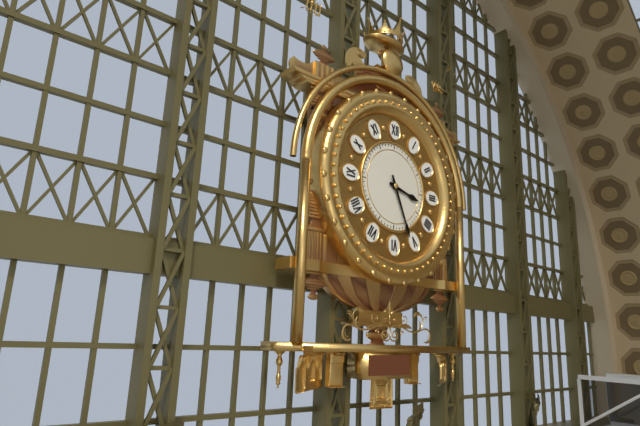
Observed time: **3:26**
